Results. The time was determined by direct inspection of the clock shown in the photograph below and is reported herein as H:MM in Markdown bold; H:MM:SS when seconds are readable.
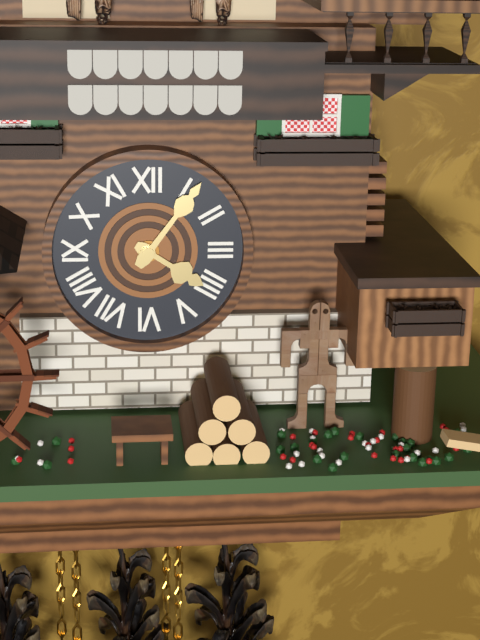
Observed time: **4:06**
